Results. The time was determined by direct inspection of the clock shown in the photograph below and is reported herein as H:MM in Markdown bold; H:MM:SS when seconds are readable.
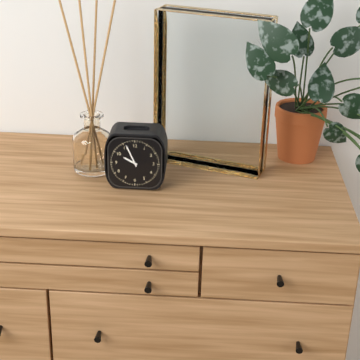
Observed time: **9:56**
